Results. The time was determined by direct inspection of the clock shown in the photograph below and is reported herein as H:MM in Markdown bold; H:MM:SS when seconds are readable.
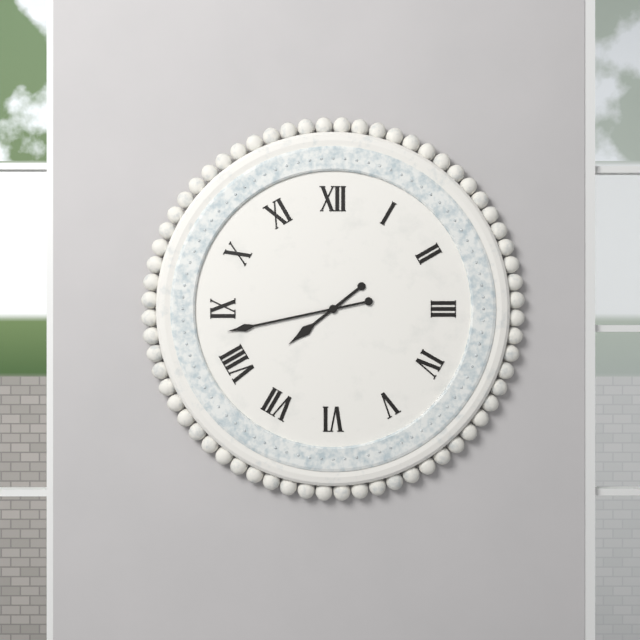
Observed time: **7:43**
